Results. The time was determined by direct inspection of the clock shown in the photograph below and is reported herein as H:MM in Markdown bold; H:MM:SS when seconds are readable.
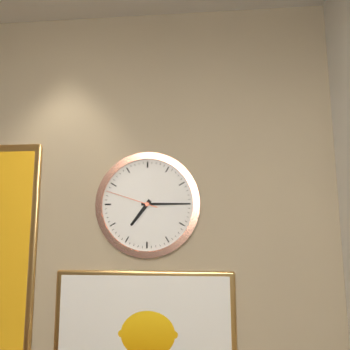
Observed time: **7:15:48**
